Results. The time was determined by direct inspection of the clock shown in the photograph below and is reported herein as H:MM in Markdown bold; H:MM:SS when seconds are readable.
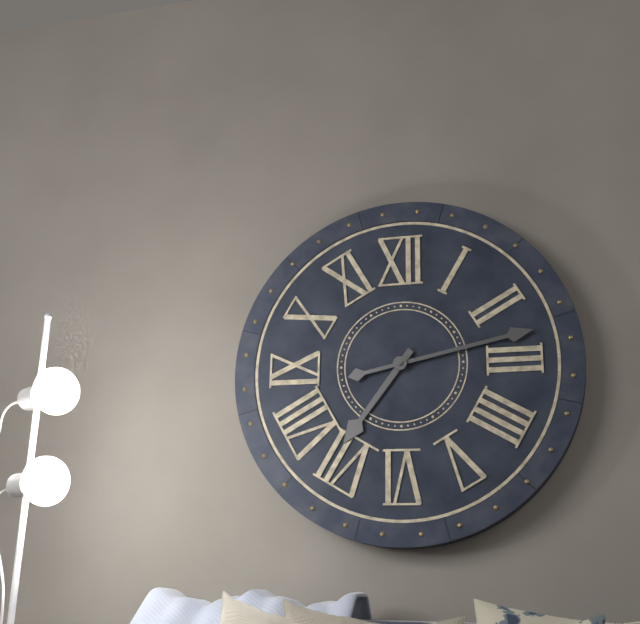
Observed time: **7:13**
